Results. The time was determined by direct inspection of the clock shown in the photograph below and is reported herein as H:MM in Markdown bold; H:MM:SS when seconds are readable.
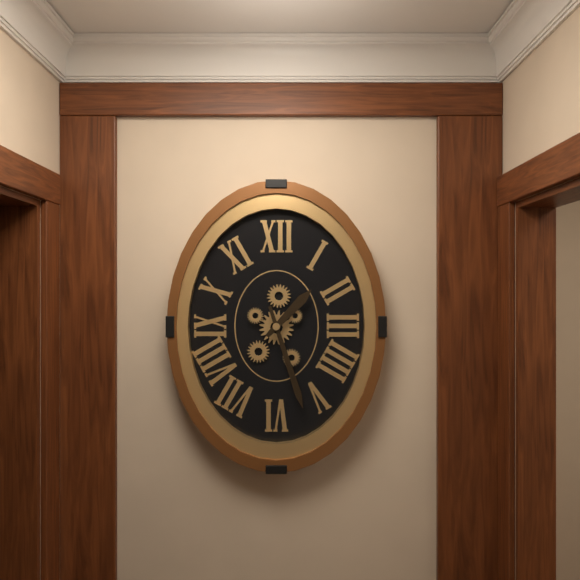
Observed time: **1:27**
